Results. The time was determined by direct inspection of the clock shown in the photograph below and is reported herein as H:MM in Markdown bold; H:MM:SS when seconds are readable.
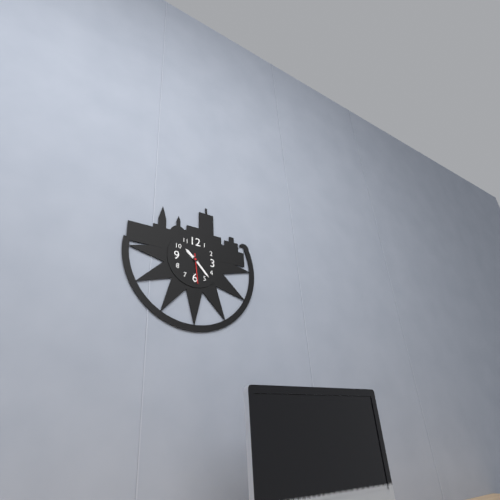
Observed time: **10:23**
